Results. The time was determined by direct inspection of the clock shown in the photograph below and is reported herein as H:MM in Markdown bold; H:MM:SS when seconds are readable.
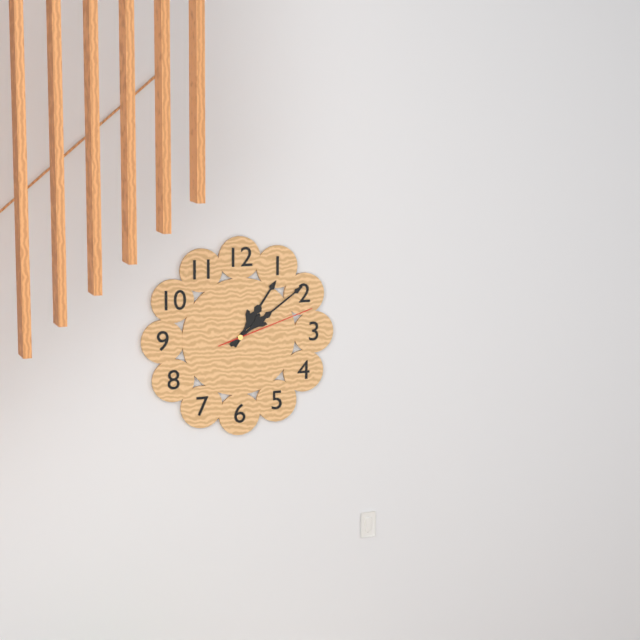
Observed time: **1:09:12**
